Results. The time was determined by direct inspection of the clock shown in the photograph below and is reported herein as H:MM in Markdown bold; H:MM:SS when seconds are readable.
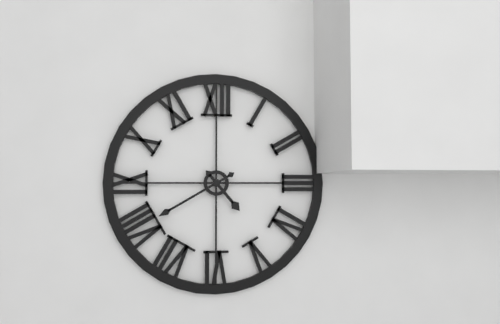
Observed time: **4:40**
